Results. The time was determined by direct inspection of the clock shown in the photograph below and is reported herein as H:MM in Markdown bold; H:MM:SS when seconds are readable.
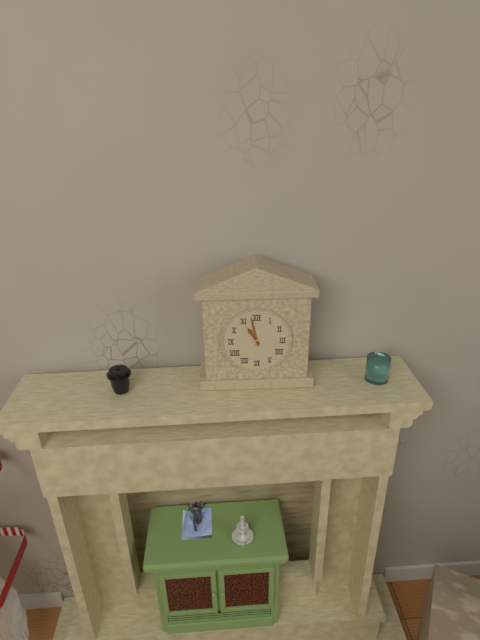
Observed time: **10:58**
